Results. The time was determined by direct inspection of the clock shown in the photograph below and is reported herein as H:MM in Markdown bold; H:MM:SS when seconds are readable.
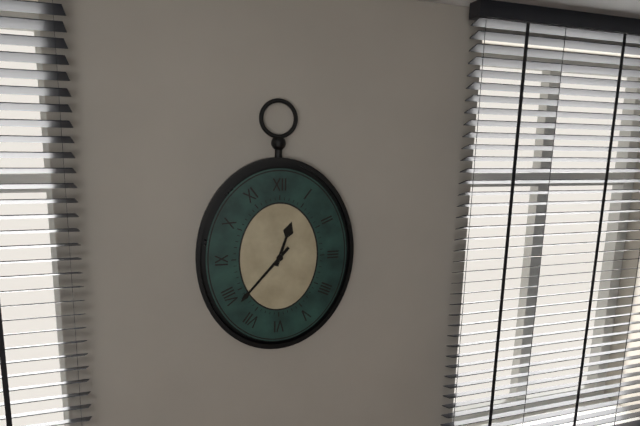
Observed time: **12:37**
